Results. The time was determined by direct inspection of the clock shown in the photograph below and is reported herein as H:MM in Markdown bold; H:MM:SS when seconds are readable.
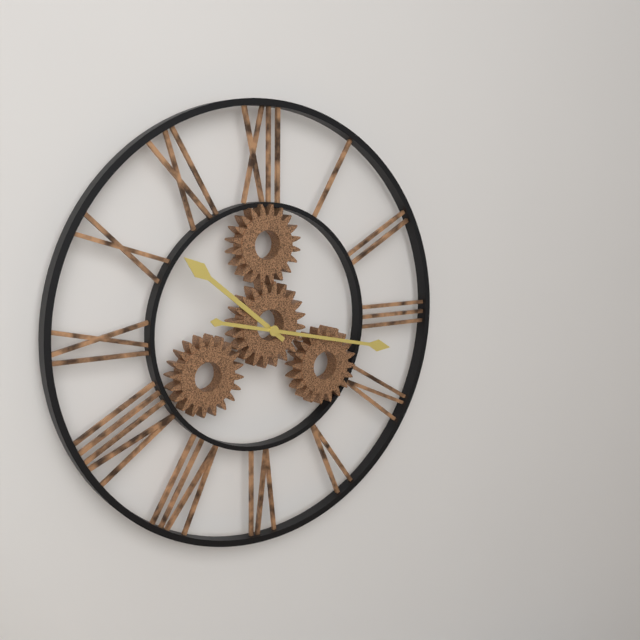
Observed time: **10:17**
